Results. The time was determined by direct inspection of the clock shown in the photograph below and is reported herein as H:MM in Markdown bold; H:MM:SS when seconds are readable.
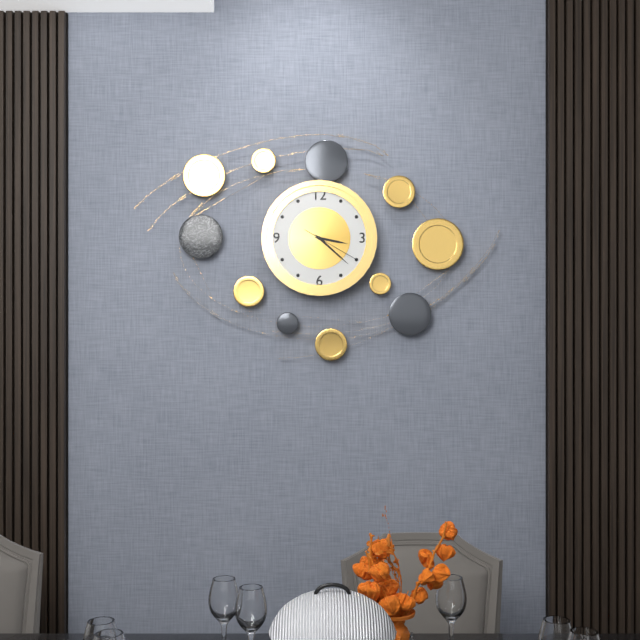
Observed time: **3:22:20**
